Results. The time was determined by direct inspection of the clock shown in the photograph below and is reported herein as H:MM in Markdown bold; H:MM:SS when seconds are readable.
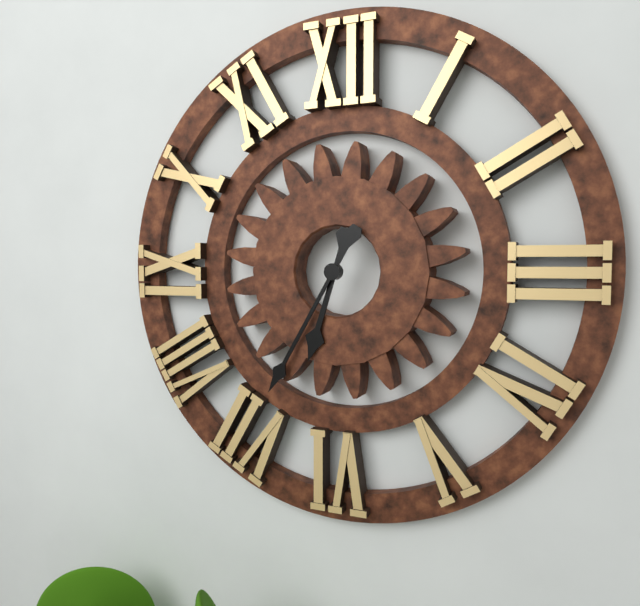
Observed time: **6:35**
